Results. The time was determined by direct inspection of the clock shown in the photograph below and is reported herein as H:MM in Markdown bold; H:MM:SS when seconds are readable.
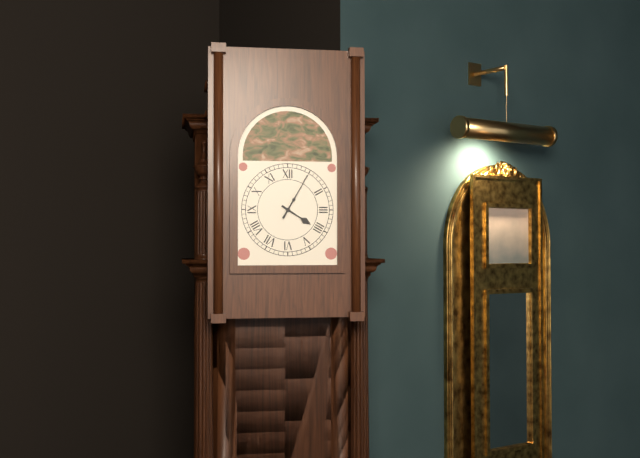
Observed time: **4:05**
